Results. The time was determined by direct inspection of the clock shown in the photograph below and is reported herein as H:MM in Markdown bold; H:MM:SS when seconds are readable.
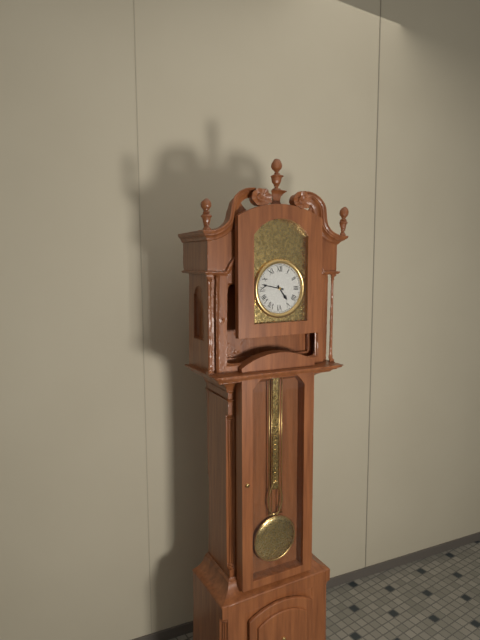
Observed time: **4:47**
